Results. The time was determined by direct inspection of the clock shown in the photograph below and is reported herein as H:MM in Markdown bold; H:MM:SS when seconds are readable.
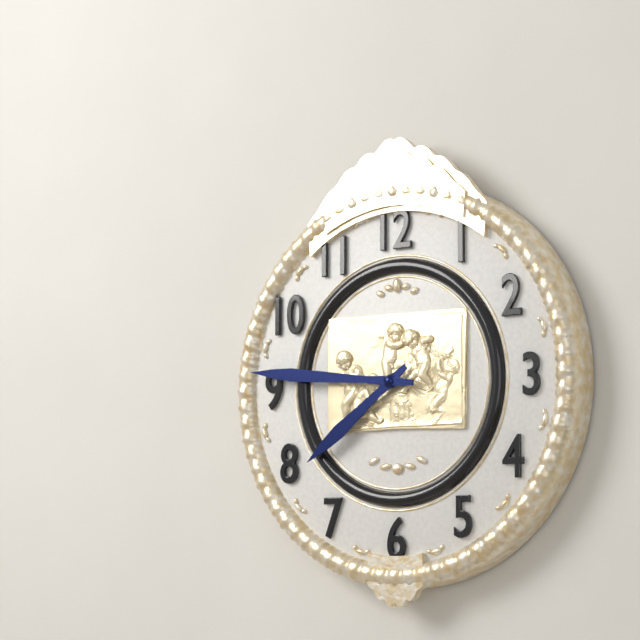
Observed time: **7:46**
